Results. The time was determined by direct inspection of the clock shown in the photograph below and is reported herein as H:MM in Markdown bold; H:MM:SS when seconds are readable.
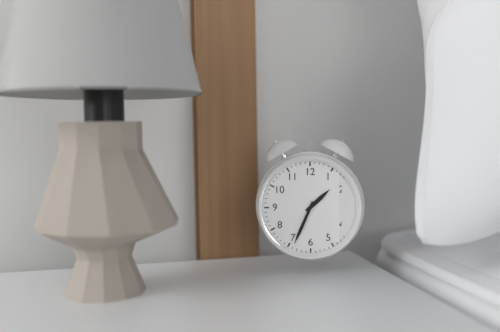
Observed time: **1:34**
